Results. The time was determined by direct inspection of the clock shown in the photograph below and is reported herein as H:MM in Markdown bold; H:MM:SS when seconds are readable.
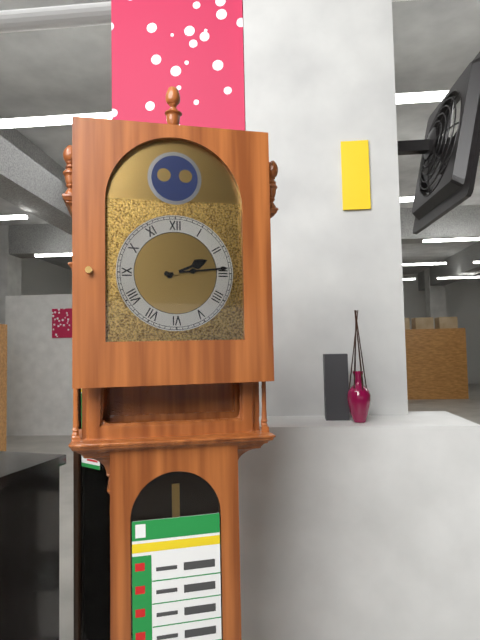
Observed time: **2:14**
